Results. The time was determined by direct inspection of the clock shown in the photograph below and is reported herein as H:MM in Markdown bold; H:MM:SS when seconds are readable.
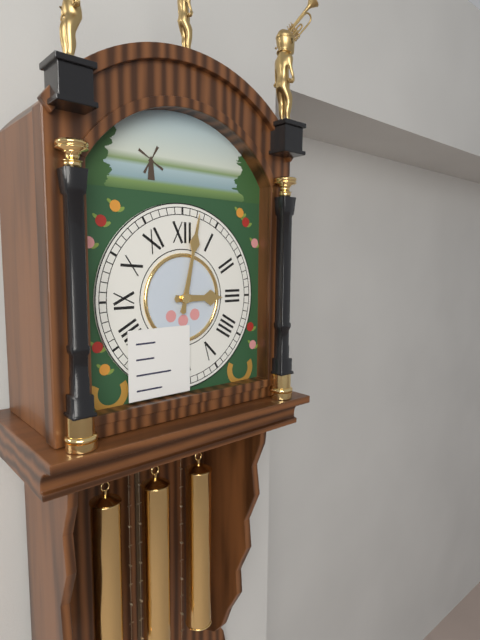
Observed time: **3:02**
